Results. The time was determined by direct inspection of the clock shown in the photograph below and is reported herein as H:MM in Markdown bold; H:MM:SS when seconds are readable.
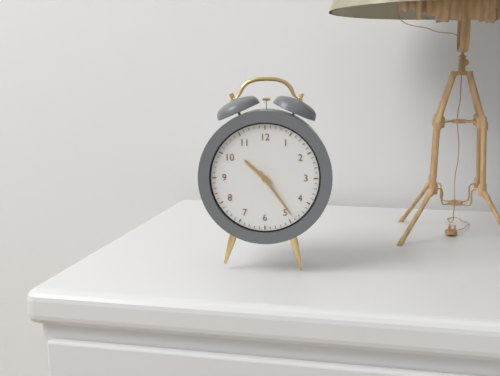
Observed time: **10:24**
